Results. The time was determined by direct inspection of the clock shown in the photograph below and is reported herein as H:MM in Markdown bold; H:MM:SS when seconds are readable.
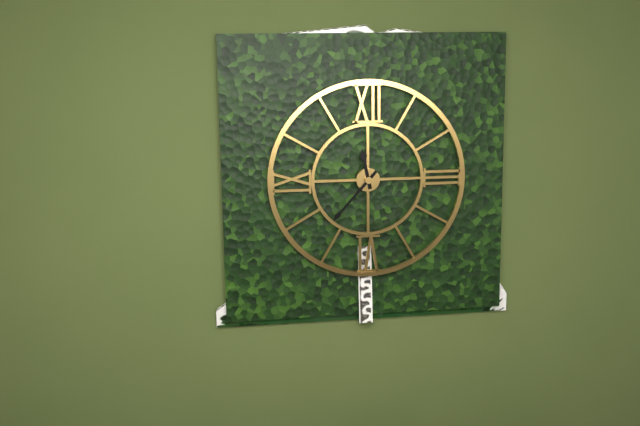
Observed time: **11:37**
